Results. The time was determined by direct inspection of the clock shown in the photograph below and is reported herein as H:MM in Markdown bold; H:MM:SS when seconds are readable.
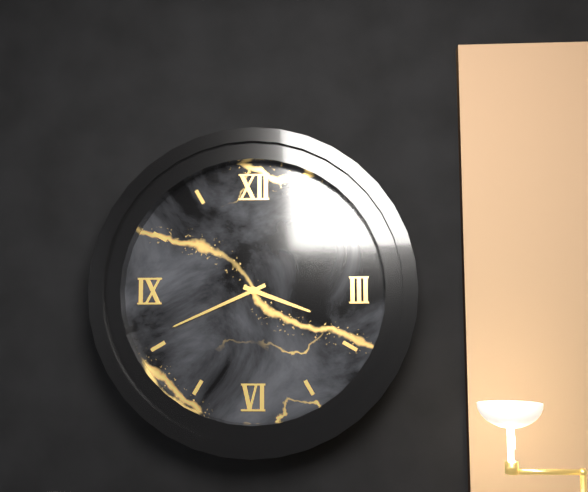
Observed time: **3:41**
